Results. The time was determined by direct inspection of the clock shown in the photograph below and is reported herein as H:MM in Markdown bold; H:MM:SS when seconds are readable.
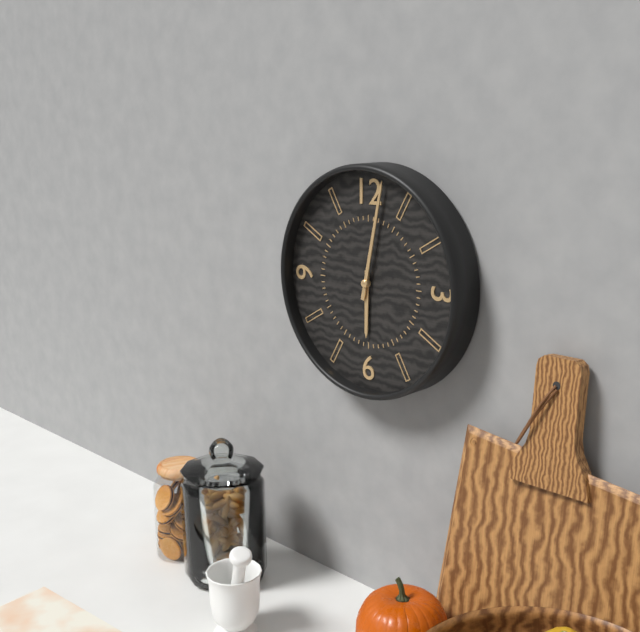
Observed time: **6:02**
